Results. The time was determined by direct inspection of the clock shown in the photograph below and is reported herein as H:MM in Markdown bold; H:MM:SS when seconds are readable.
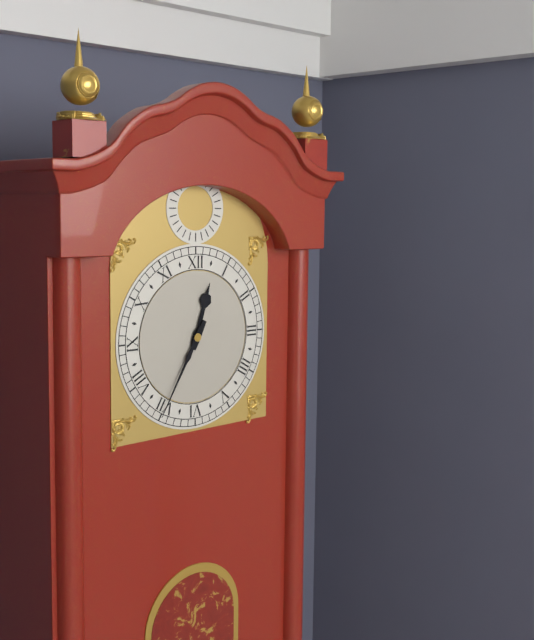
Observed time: **12:35**
